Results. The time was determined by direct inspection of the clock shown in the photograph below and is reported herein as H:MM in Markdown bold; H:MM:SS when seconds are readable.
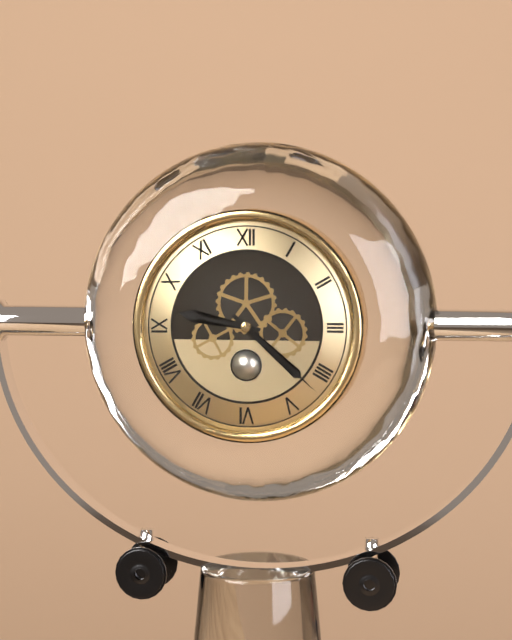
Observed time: **9:22**
